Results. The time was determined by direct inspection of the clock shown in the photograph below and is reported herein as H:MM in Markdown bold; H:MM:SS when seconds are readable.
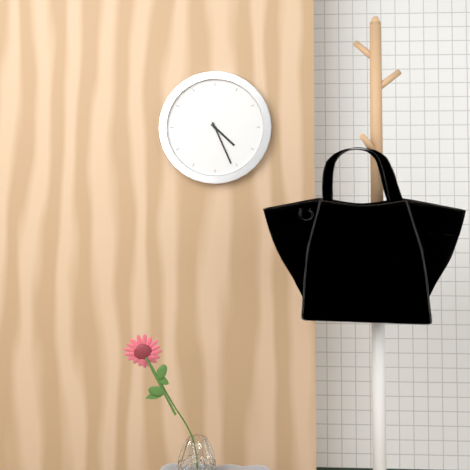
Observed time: **4:26**
